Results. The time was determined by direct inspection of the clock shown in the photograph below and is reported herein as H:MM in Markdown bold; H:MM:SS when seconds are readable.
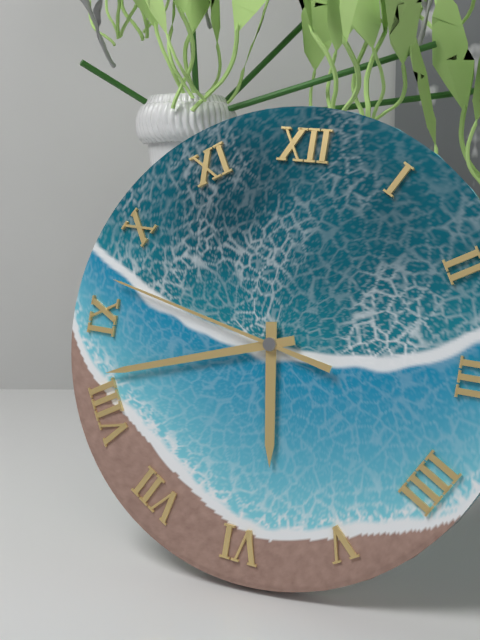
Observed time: **5:42:47**
